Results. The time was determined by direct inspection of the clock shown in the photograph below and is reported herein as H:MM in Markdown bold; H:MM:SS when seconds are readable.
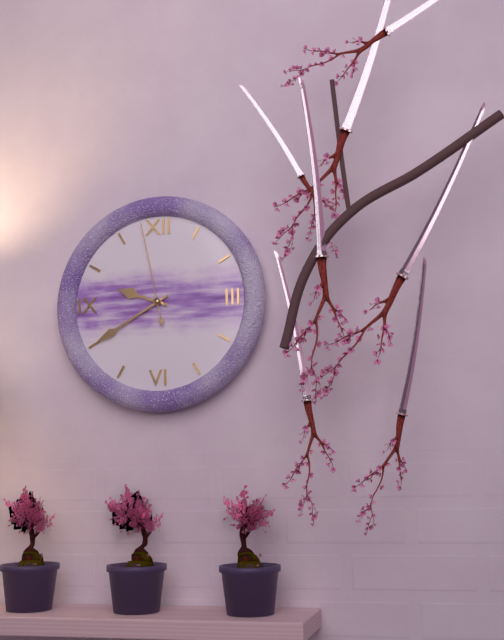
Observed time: **9:40:58**
